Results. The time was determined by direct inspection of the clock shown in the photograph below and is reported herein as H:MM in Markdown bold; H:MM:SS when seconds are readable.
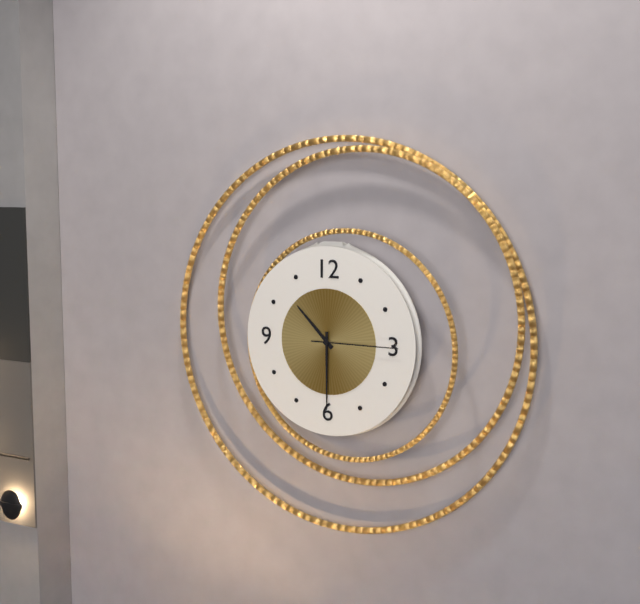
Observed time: **10:30:15**
